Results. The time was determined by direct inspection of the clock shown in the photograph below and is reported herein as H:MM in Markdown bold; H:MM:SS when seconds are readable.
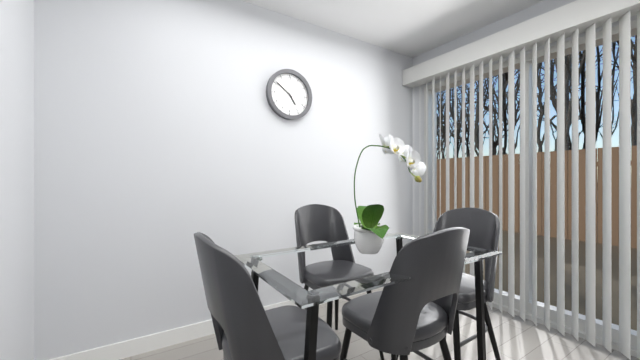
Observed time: **4:51**
